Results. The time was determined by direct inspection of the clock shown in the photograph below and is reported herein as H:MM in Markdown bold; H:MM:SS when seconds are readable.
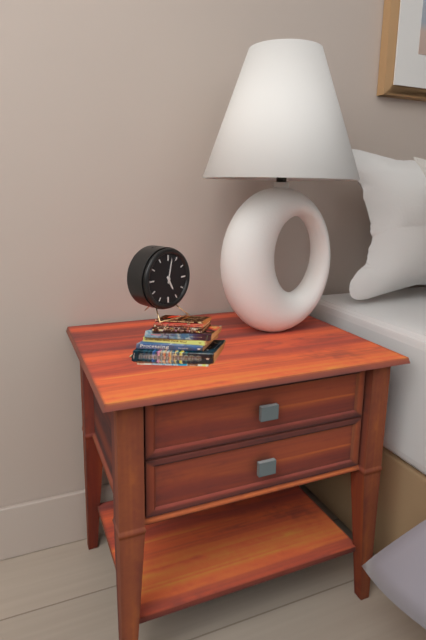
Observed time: **5:02**
